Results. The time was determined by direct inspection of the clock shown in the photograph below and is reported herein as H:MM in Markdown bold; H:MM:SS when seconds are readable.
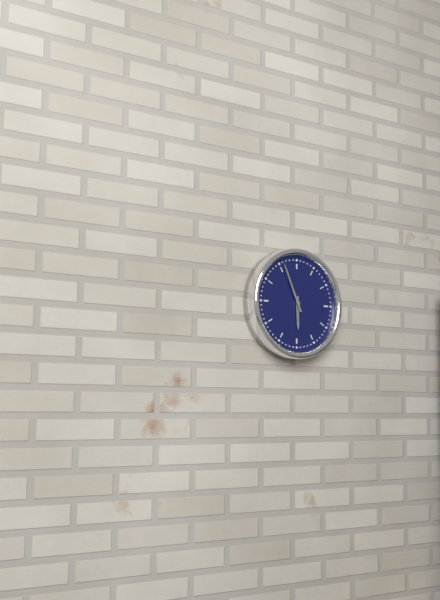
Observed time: **5:56**
